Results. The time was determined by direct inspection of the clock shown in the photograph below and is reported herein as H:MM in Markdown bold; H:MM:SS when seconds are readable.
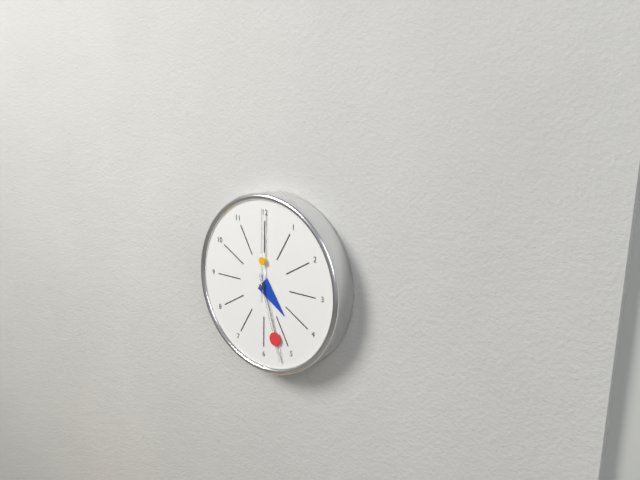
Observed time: **4:27:00**
